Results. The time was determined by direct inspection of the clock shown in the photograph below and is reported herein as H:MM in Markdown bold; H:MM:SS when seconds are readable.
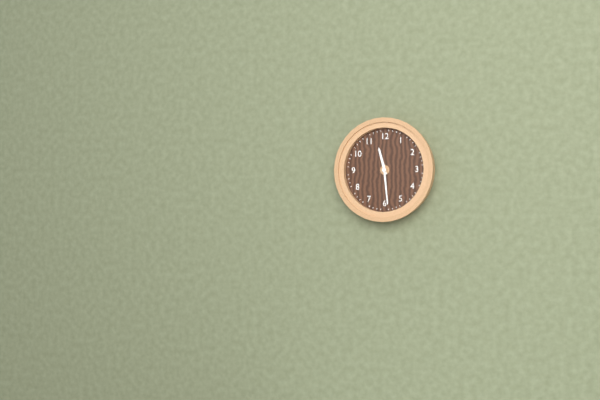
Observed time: **11:29**
